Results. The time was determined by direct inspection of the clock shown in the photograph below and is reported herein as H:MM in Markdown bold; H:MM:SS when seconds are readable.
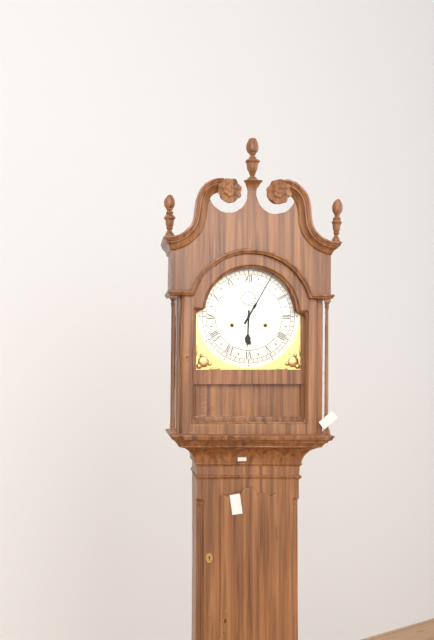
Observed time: **6:05**
